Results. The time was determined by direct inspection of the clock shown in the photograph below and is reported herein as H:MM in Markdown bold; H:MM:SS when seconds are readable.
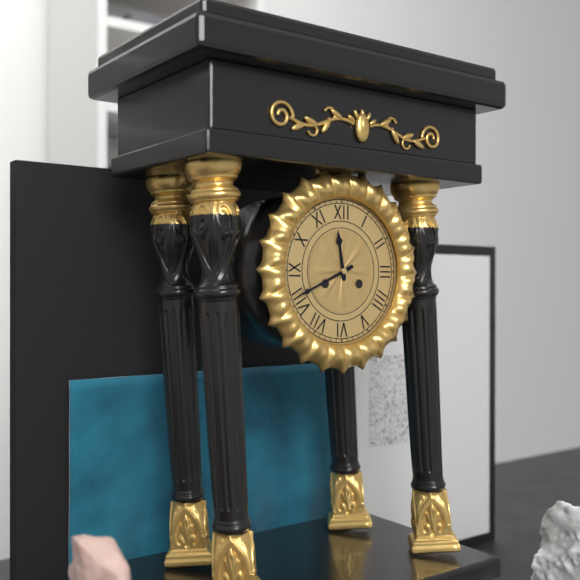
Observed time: **11:41**
